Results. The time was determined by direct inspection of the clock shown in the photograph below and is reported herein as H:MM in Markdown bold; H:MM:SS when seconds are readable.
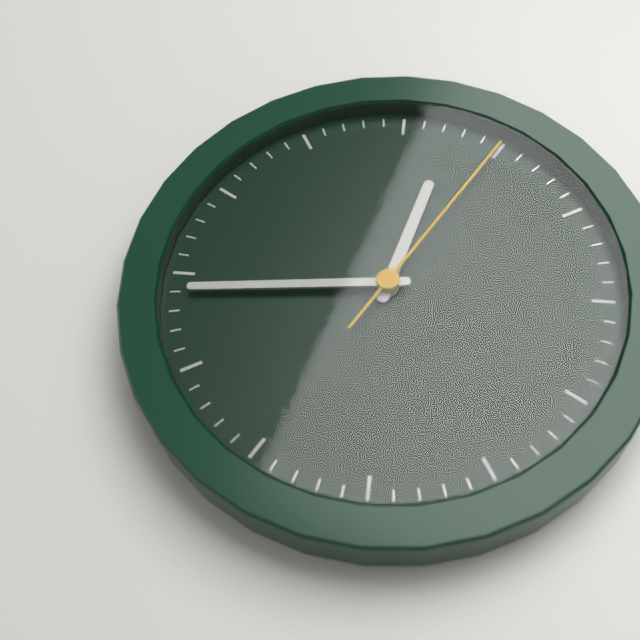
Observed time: **9:29:50**
